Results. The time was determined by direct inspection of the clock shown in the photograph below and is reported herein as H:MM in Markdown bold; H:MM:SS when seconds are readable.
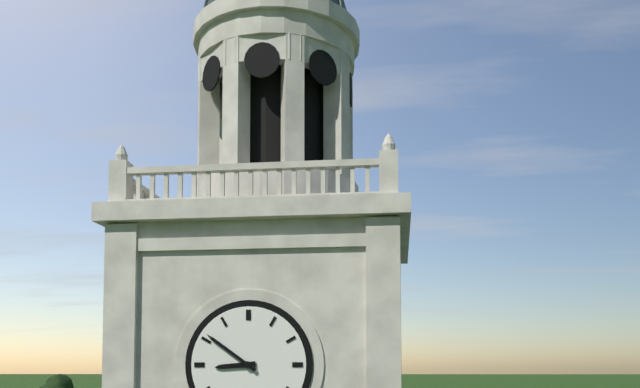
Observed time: **8:51**
